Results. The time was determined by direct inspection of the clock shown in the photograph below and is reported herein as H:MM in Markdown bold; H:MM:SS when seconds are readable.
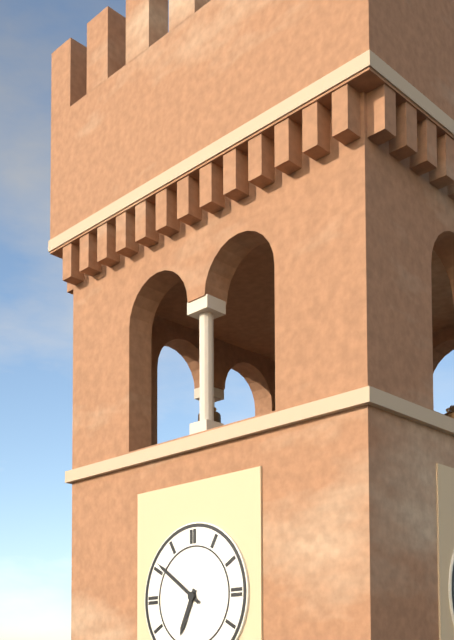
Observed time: **6:51**
